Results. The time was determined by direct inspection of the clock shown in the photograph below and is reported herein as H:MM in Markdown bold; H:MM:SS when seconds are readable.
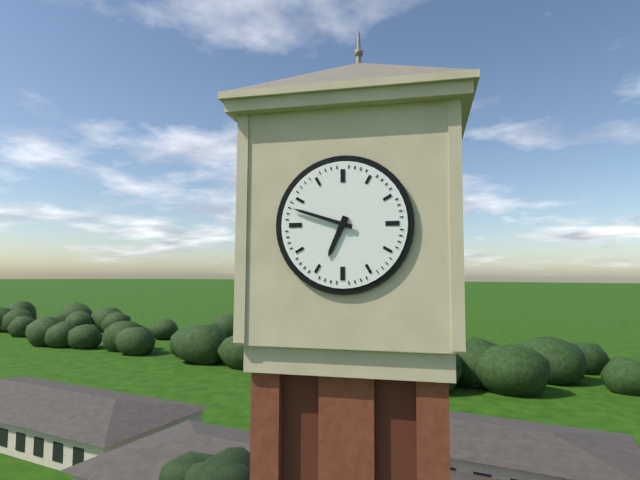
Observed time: **6:48**
